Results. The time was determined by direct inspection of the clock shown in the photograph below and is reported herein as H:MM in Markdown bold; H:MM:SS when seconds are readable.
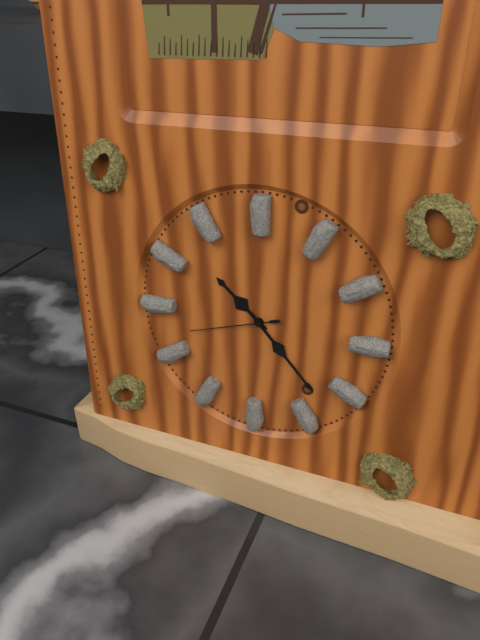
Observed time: **10:23:42**
